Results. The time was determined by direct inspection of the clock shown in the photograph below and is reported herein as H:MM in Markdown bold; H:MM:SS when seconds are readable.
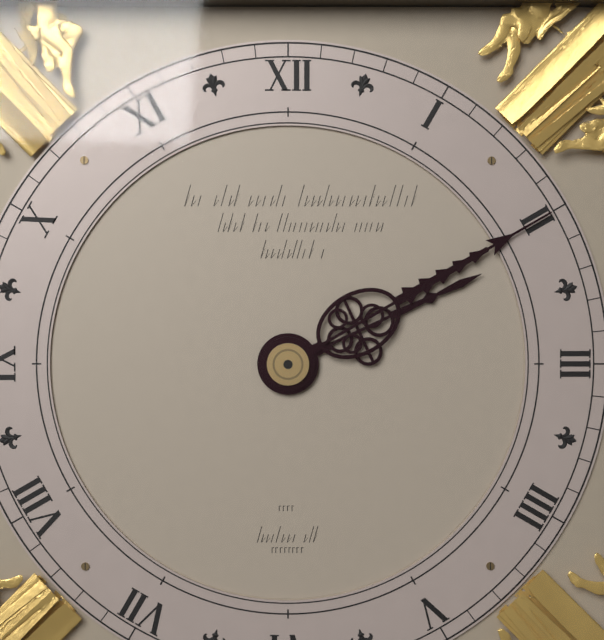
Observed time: **2:10**
